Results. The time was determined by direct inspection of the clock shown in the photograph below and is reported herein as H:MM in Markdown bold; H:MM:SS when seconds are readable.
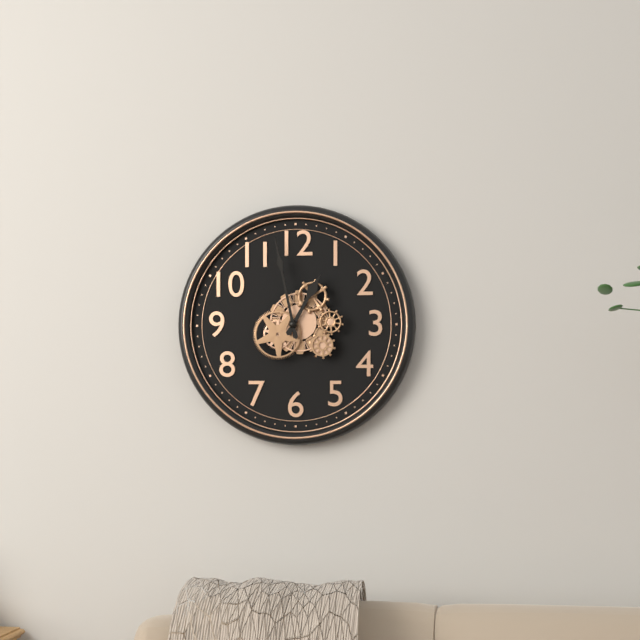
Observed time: **12:58**
